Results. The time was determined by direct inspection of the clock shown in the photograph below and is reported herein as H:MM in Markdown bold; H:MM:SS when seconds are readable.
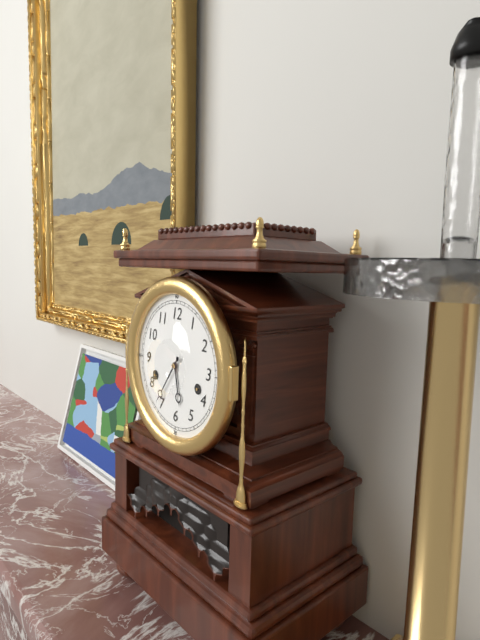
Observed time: **5:36**
